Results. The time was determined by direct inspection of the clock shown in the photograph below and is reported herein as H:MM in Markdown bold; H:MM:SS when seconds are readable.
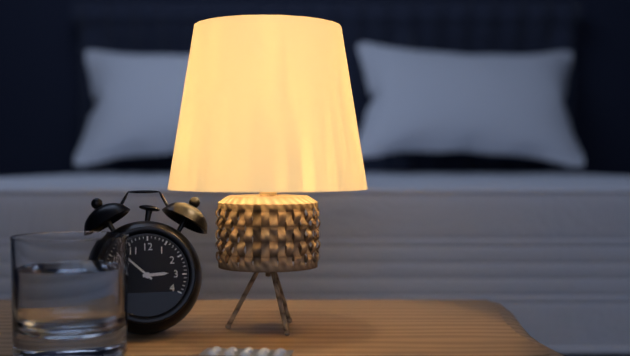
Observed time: **2:52**
